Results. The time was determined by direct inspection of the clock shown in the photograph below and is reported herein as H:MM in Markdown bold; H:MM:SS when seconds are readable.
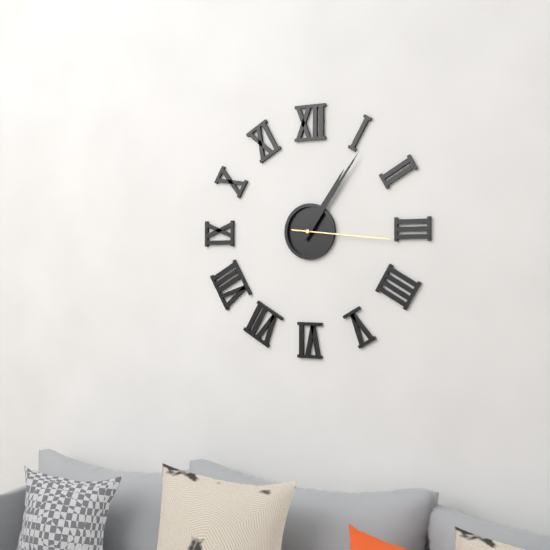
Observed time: **1:06:16**
